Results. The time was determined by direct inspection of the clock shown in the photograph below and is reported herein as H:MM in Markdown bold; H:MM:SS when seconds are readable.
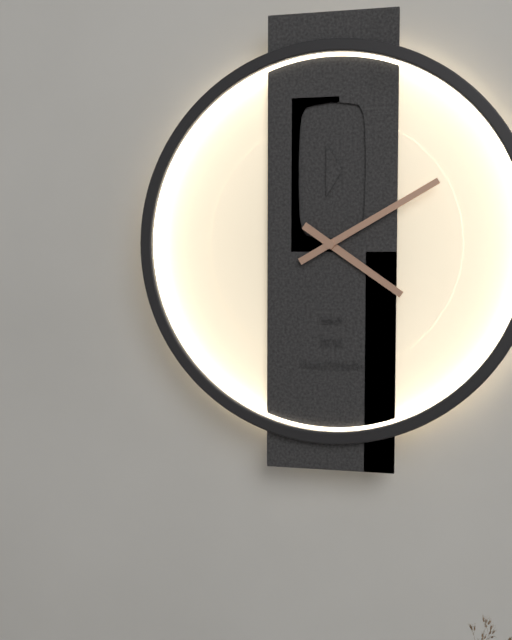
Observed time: **4:10**
